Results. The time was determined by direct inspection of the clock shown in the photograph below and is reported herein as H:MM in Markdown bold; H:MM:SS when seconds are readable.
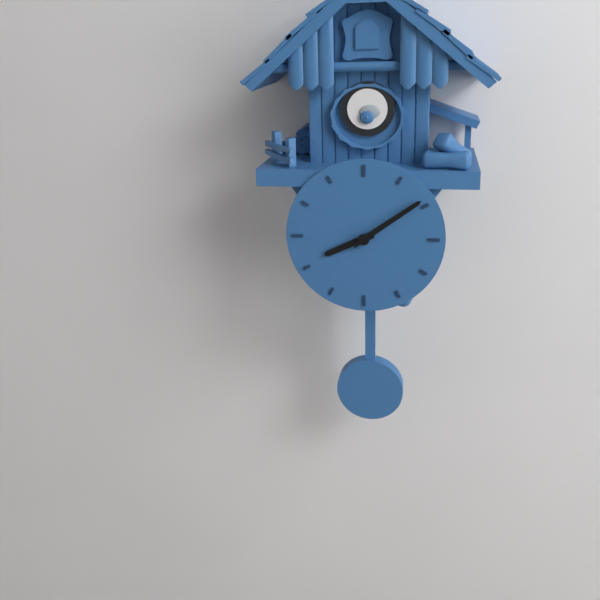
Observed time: **8:09**
